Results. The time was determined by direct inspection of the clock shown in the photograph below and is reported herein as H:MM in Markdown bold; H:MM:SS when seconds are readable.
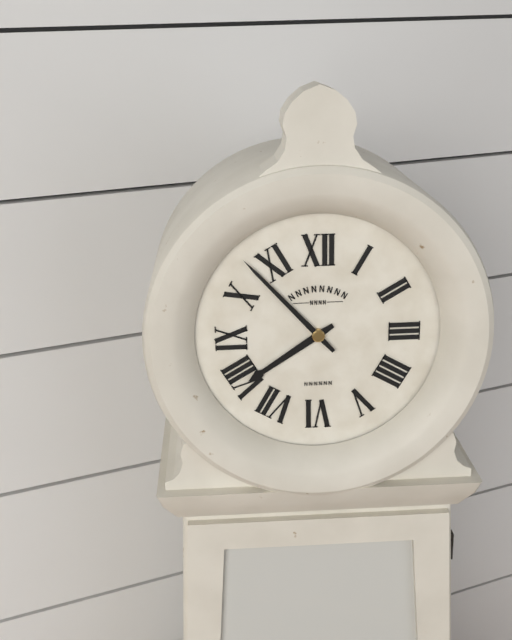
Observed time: **7:53**
